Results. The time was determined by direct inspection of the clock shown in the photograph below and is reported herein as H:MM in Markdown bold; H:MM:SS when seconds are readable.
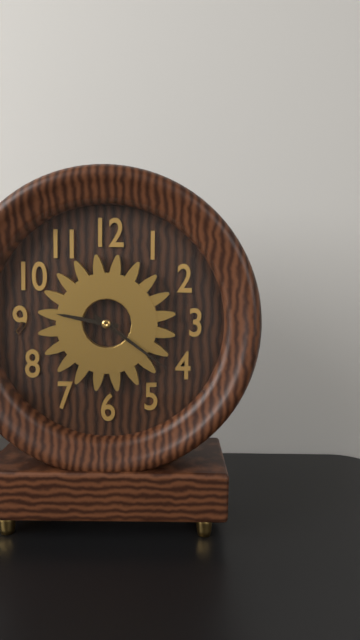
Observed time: **9:21**
